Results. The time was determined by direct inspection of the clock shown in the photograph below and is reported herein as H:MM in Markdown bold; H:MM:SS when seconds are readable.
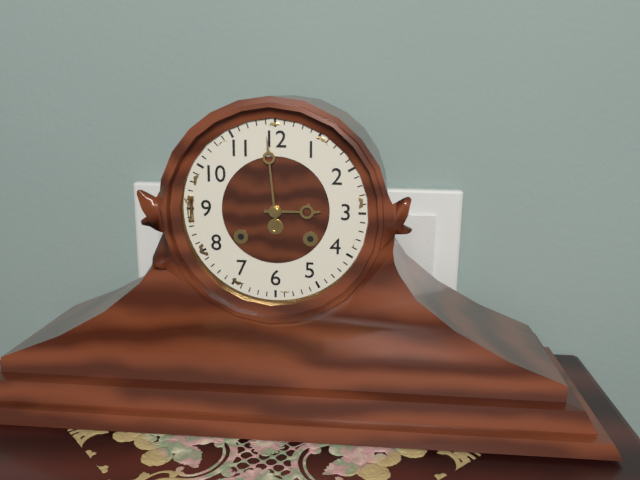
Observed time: **2:59**
